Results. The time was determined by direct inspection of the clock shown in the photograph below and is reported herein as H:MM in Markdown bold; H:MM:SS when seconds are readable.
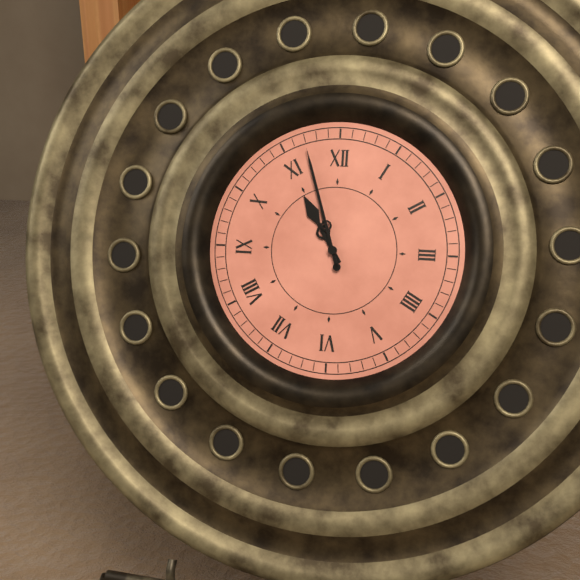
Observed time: **10:57**
